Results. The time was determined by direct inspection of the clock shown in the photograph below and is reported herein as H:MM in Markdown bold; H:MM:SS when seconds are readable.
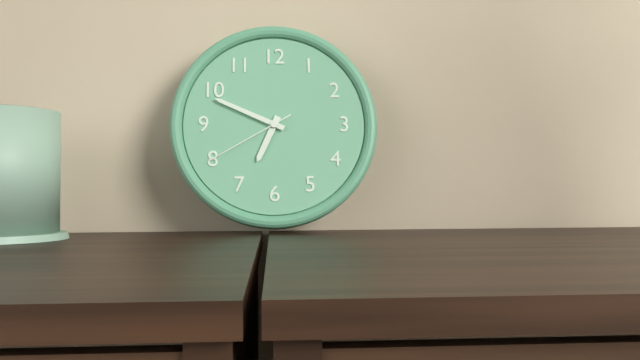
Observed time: **6:49:40**
